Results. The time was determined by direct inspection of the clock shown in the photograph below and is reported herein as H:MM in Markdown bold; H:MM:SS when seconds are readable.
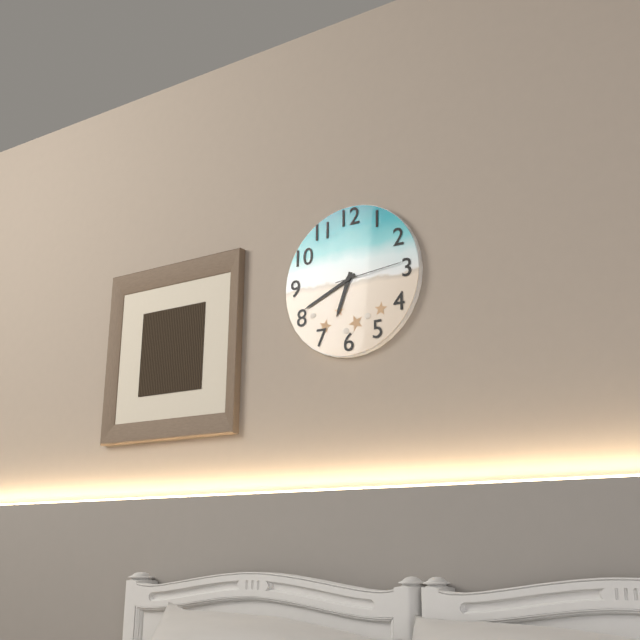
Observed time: **6:41:14**
